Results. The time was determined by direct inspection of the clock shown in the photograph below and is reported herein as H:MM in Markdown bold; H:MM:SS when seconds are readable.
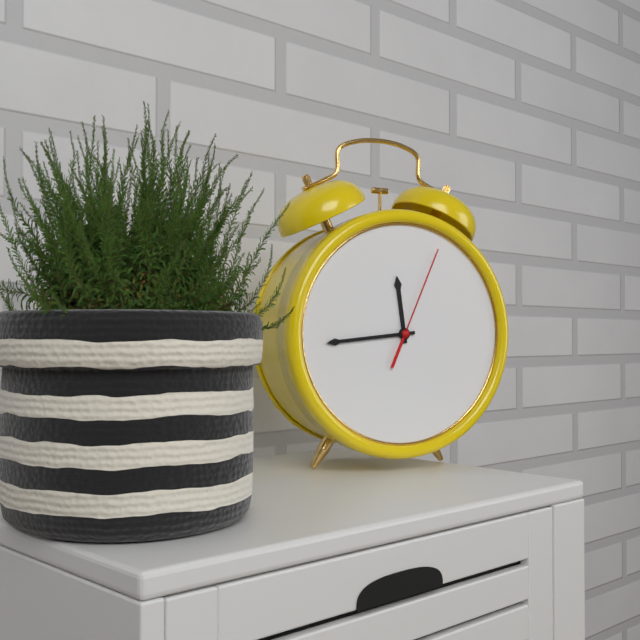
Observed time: **11:44:04**
